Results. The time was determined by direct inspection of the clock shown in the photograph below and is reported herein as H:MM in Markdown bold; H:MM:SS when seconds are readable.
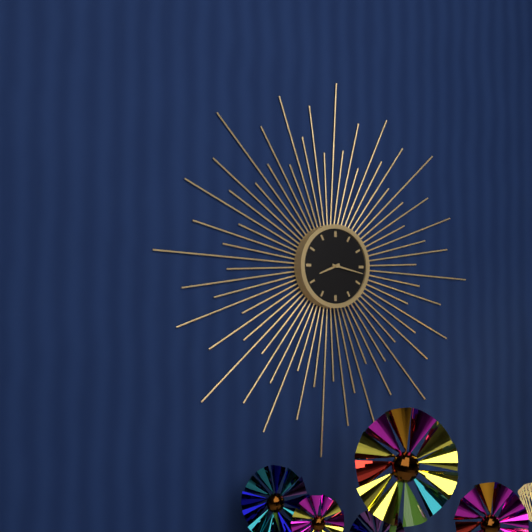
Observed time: **8:17**
